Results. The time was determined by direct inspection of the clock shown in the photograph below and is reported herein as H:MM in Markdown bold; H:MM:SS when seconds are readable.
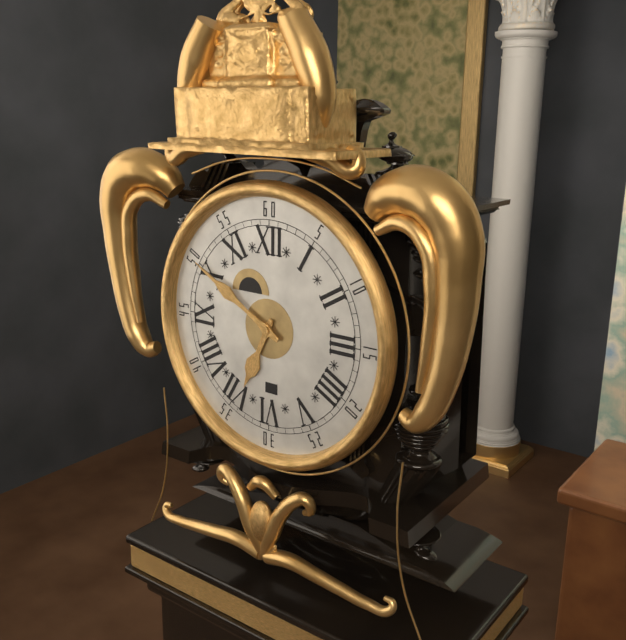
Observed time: **6:50**
